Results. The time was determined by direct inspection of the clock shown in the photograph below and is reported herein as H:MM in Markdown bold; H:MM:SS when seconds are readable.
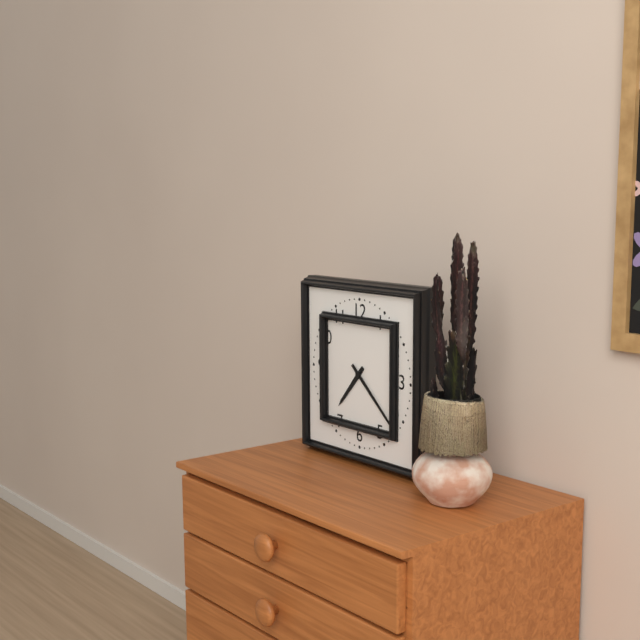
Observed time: **7:22**
